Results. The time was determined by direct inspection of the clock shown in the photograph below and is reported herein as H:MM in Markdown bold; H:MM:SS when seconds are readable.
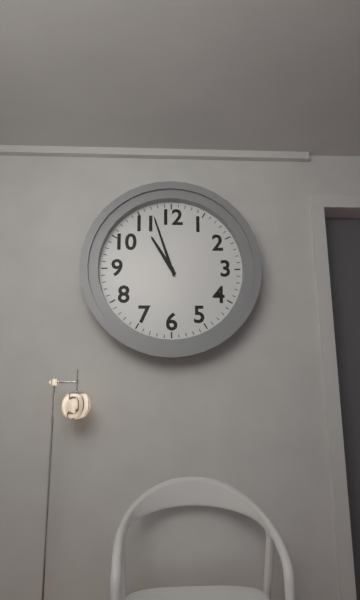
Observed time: **10:57**
